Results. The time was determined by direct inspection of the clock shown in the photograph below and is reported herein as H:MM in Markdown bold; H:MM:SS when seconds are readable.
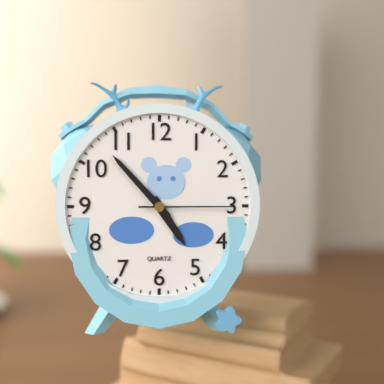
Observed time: **4:53:15**
